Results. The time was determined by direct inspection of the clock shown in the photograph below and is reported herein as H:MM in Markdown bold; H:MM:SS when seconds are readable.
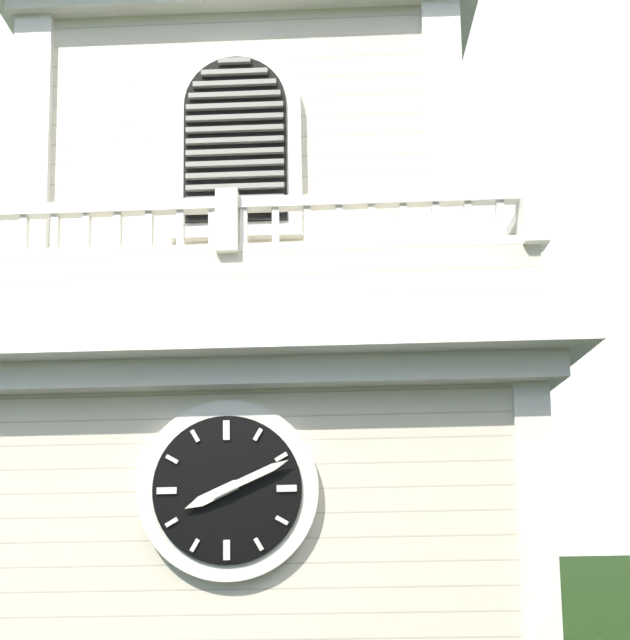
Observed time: **8:11**
